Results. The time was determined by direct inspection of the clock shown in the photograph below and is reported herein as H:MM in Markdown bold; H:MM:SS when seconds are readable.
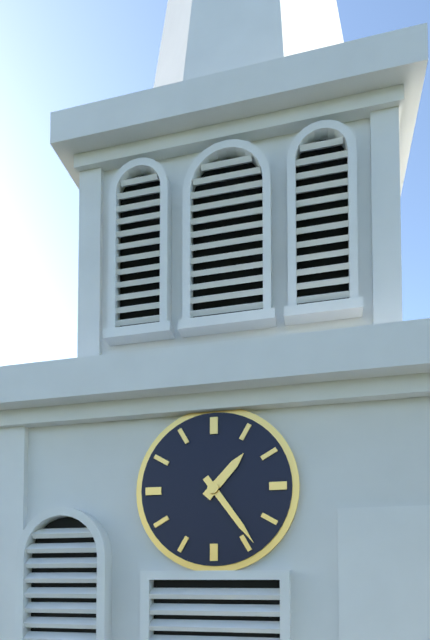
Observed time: **1:24**
